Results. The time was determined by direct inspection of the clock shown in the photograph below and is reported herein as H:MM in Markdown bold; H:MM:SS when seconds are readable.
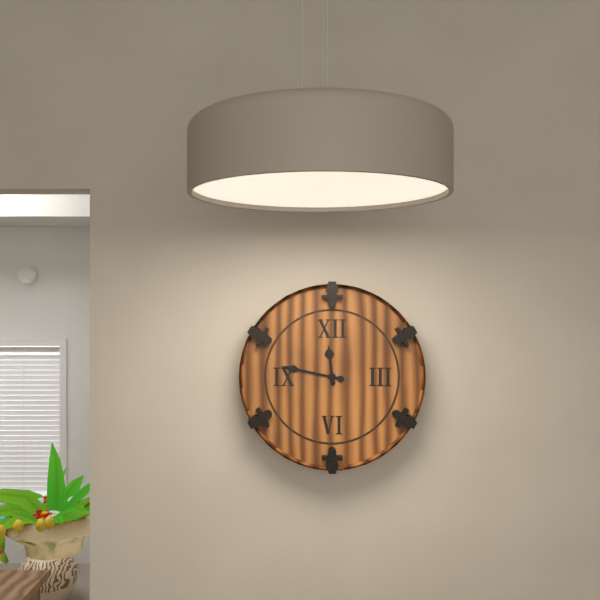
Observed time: **11:47**
